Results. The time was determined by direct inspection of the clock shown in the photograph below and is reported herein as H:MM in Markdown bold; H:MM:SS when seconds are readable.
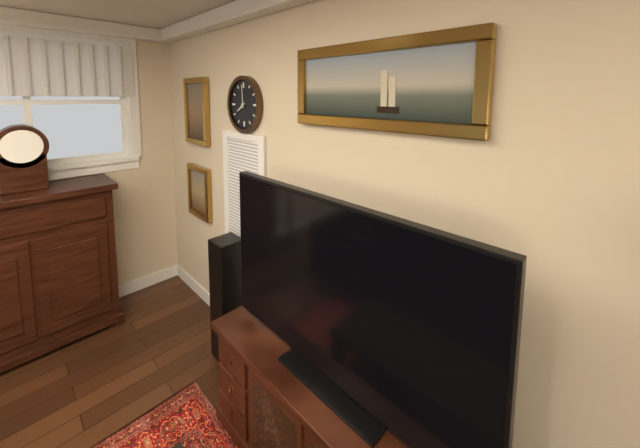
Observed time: **7:59**
